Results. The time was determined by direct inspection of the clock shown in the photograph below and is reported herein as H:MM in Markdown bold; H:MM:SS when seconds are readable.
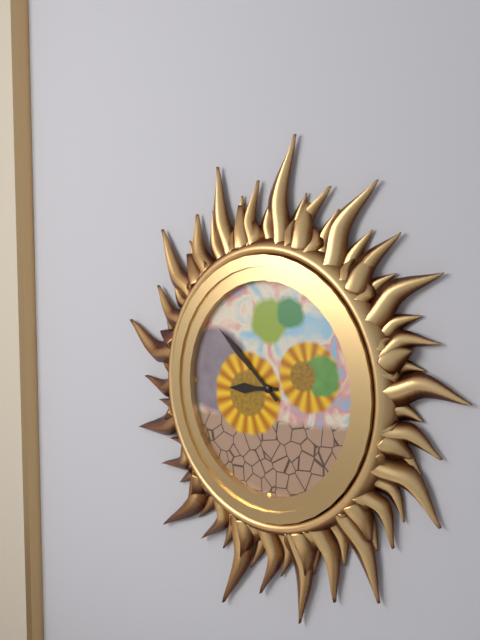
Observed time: **8:52**
